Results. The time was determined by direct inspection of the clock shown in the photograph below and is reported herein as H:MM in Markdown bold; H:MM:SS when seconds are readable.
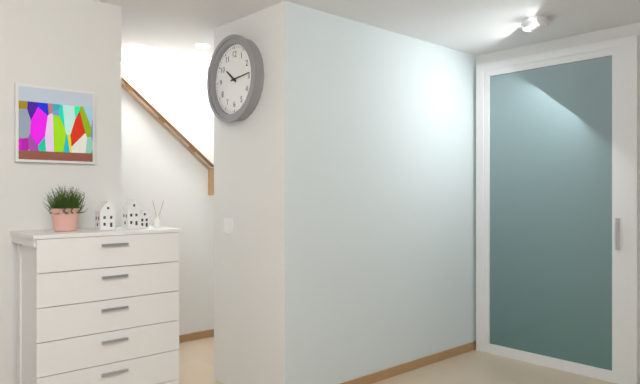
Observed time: **10:14**
